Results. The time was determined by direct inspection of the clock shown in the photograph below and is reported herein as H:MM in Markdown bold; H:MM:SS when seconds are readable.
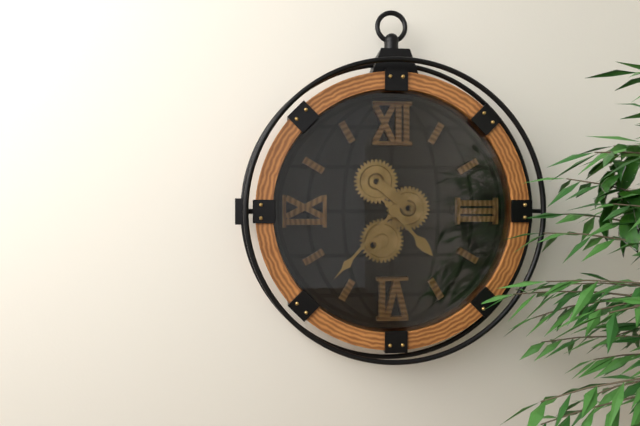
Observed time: **4:37**
